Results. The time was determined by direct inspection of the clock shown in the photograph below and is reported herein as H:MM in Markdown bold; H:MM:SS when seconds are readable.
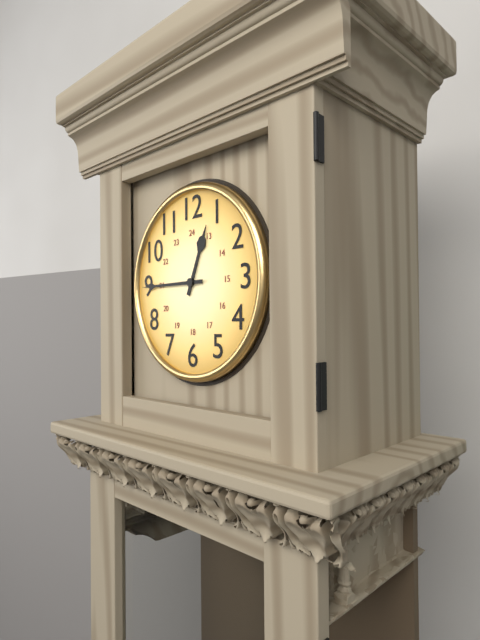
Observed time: **12:45**
